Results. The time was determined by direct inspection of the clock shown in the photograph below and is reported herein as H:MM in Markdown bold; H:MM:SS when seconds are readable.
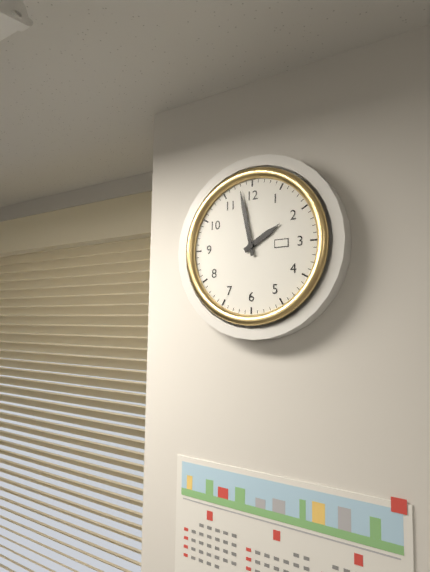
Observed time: **1:58**
